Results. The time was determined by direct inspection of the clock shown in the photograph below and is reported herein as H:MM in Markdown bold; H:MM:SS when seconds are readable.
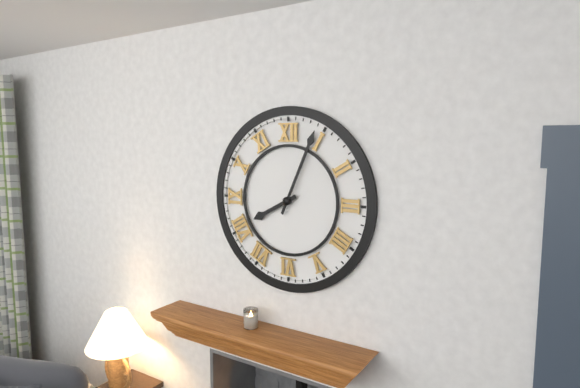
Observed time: **8:04**
